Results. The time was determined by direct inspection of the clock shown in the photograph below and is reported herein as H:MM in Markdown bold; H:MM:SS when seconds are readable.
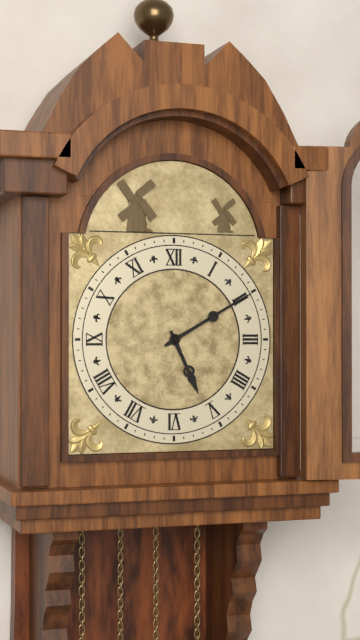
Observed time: **5:10**
